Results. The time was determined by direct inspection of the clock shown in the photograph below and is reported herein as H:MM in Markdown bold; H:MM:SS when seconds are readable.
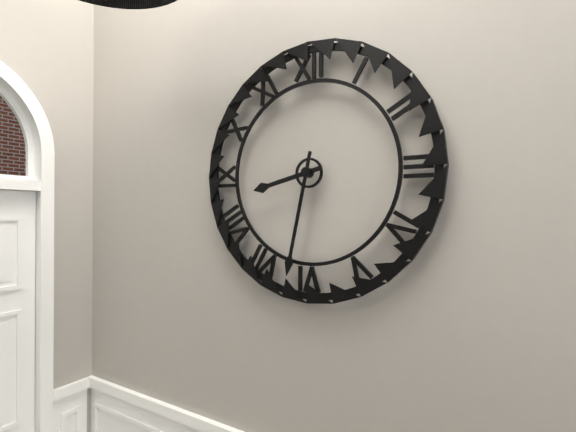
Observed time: **8:32**
